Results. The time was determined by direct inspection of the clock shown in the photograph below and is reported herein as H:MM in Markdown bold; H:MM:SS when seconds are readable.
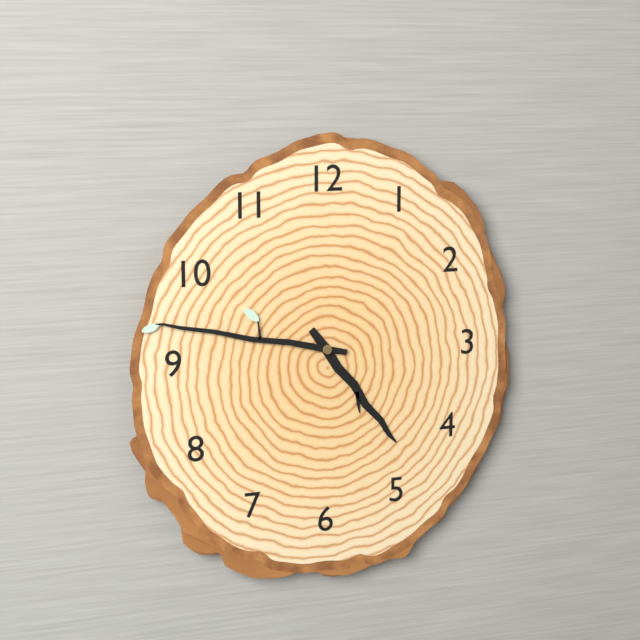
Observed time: **4:47**
